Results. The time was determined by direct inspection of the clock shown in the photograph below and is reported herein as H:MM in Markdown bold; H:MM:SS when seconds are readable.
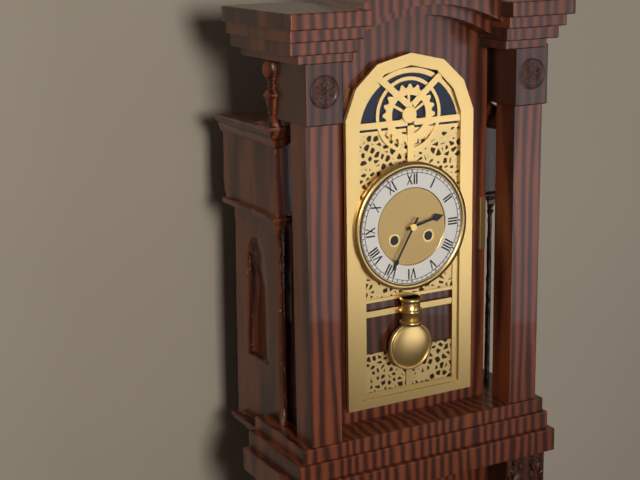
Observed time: **2:35**
